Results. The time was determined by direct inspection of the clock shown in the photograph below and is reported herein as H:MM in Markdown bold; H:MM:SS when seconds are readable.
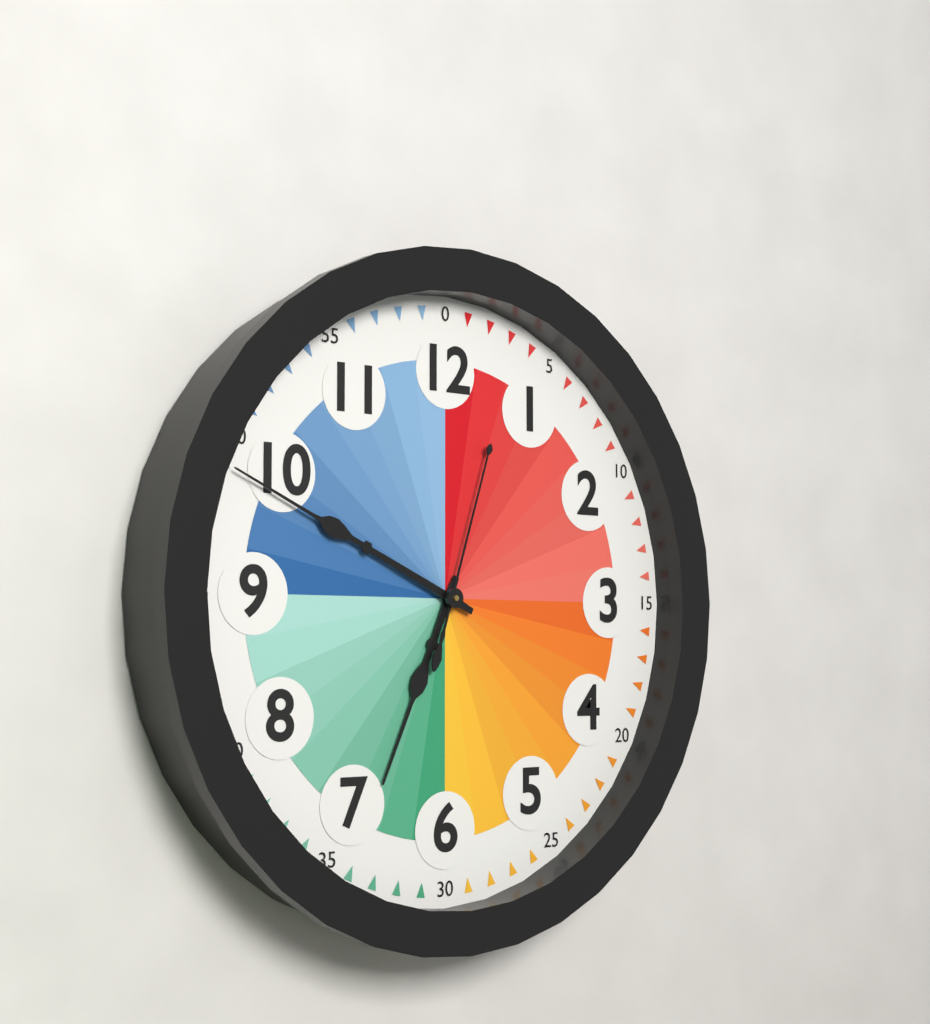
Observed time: **6:49:03**
